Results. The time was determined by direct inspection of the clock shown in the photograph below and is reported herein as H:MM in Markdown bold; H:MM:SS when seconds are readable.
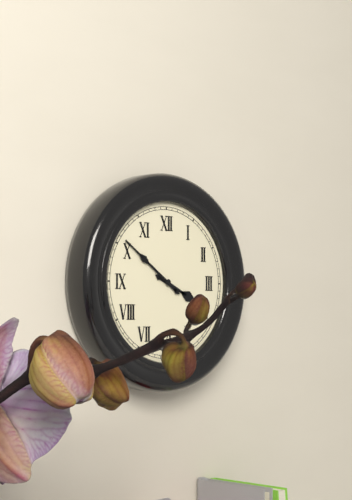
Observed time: **3:51**
